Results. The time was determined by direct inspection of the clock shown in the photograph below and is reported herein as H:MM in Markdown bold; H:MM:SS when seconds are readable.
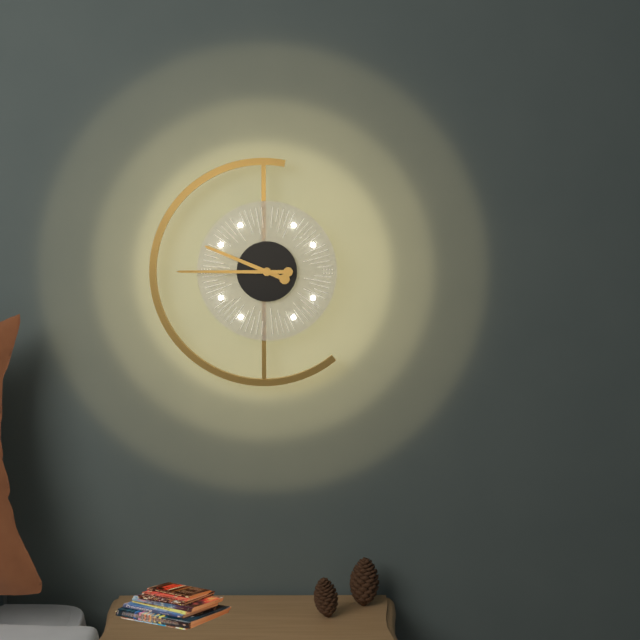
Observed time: **9:45**
